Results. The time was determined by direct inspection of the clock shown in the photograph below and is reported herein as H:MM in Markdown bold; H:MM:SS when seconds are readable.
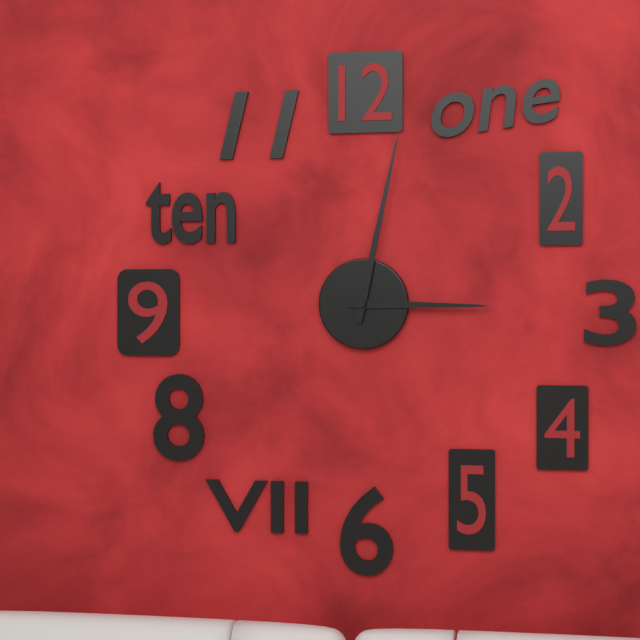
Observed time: **3:02**
